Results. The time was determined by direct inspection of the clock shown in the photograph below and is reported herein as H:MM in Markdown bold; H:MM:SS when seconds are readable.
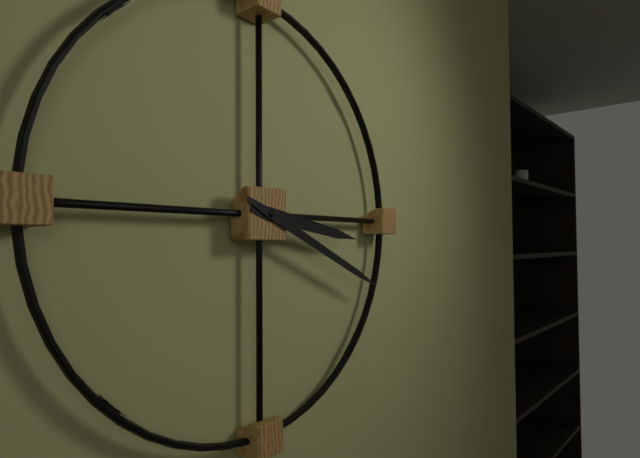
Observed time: **3:19**
